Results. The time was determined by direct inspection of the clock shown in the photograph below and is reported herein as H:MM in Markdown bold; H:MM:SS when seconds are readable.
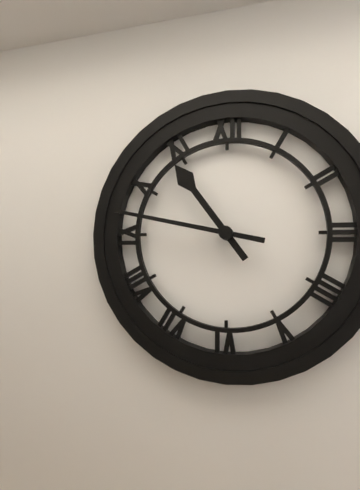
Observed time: **10:47**
